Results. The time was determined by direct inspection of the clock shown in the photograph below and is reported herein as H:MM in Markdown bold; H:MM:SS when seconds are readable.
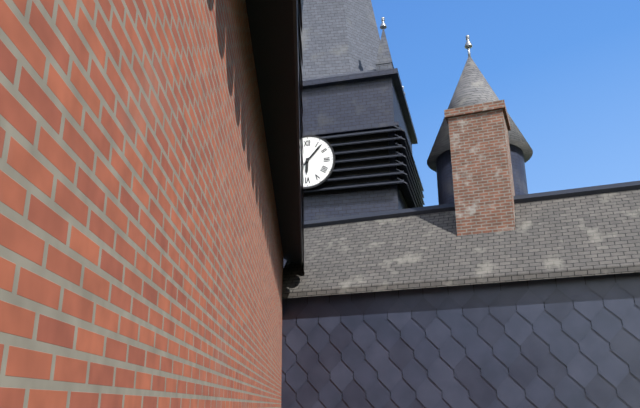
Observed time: **6:07**
